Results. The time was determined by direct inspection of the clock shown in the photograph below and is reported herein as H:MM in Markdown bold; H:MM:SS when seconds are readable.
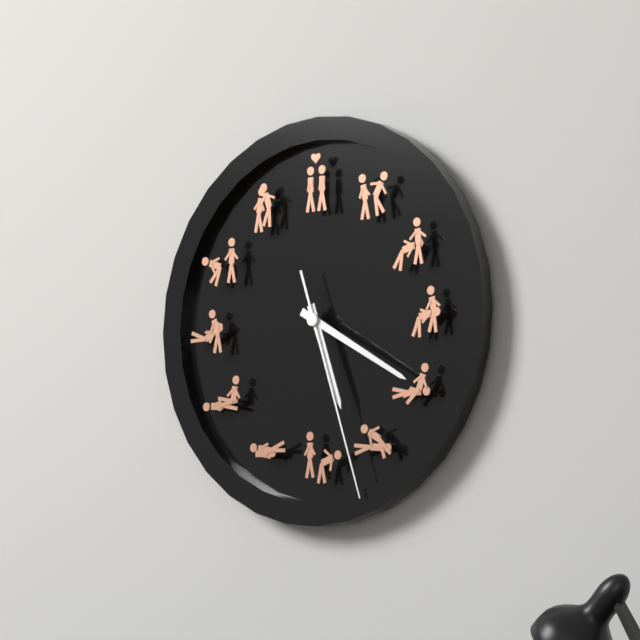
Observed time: **5:20:27**
